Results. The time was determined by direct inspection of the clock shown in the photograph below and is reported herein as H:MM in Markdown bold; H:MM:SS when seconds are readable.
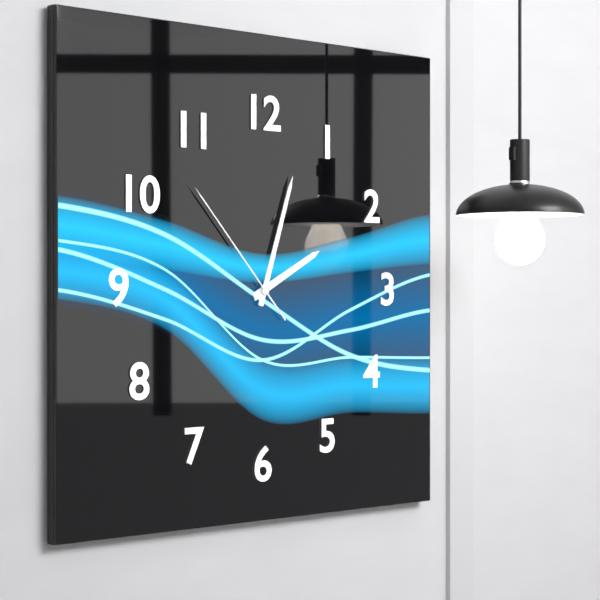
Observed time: **2:03:53**
